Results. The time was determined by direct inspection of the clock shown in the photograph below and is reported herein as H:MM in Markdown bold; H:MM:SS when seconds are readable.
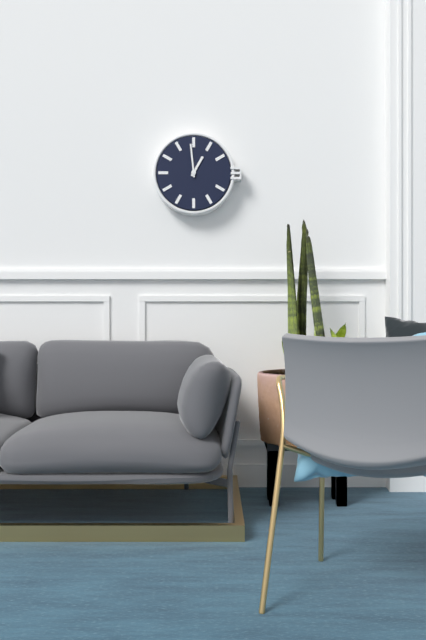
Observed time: **12:59**
